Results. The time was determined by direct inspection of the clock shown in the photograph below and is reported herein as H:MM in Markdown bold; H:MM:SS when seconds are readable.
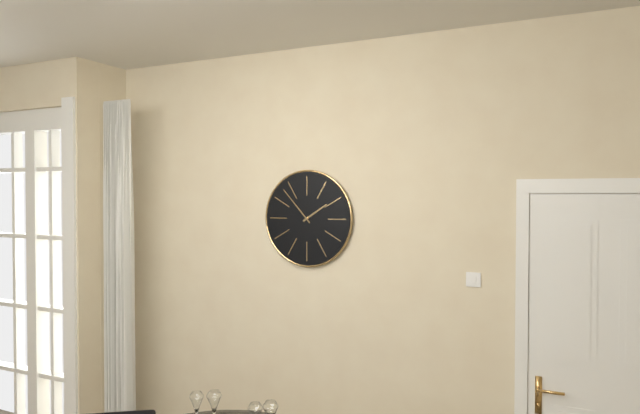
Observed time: **1:53**
